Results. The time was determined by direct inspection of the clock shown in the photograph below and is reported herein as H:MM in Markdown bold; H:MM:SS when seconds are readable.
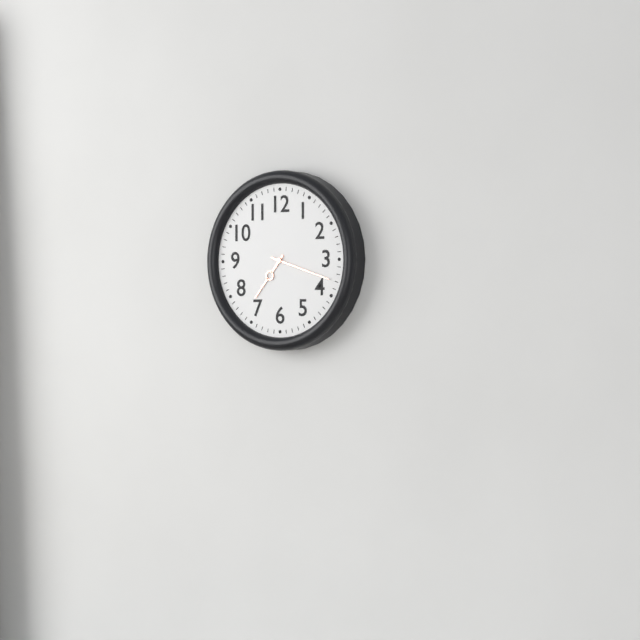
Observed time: **7:18**
